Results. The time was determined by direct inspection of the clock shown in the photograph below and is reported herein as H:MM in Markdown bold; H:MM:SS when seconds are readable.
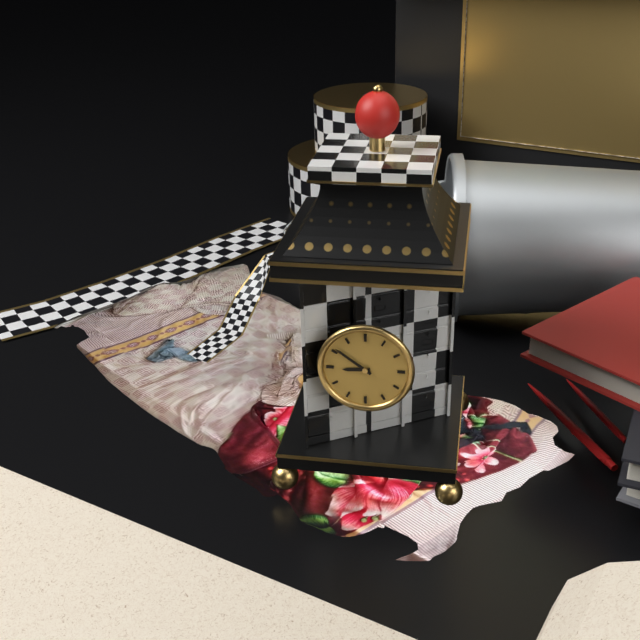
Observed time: **8:51**
